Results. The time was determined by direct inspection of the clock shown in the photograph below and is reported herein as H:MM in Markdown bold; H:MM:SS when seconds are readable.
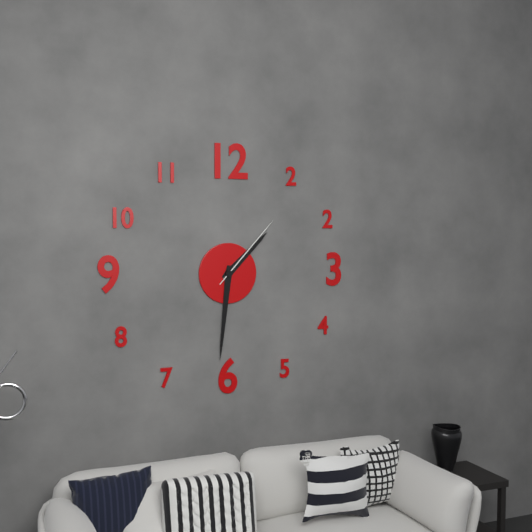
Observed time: **1:31:07**
